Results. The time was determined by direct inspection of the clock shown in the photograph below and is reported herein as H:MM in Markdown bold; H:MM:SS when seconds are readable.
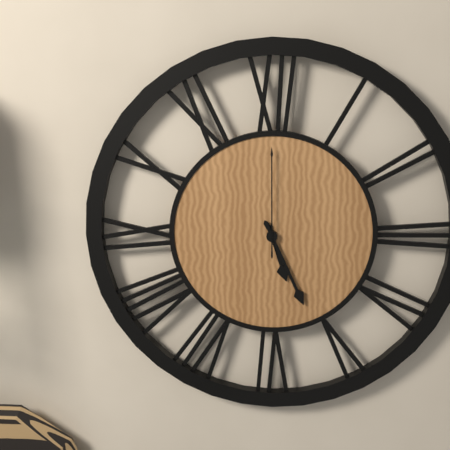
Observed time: **5:26:00**
